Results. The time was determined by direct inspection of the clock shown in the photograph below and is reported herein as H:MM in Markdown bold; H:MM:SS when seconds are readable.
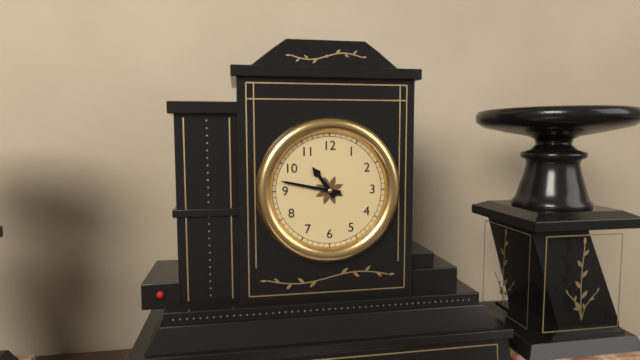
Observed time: **10:47**
